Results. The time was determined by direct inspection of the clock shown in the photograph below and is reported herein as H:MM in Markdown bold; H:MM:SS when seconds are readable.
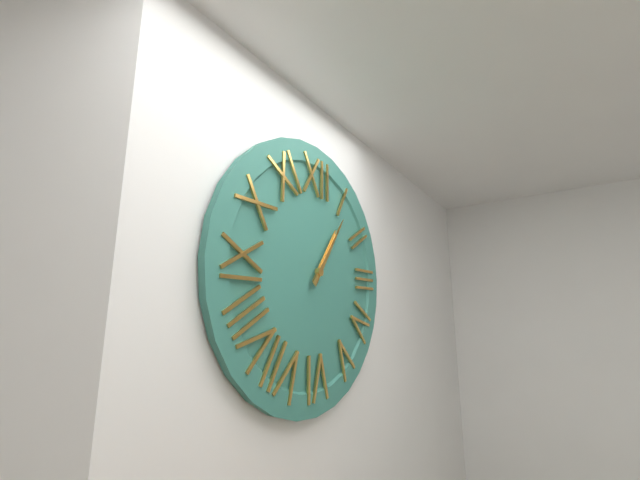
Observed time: **1:06**
